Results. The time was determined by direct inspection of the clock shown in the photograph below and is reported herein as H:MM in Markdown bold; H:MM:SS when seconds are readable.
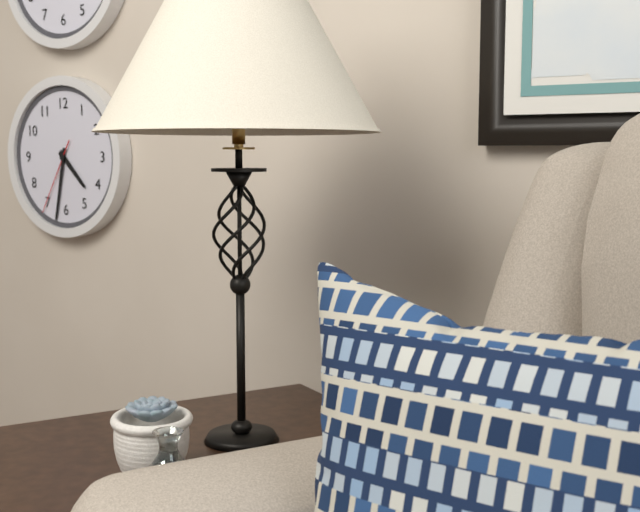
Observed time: **4:32:35**
